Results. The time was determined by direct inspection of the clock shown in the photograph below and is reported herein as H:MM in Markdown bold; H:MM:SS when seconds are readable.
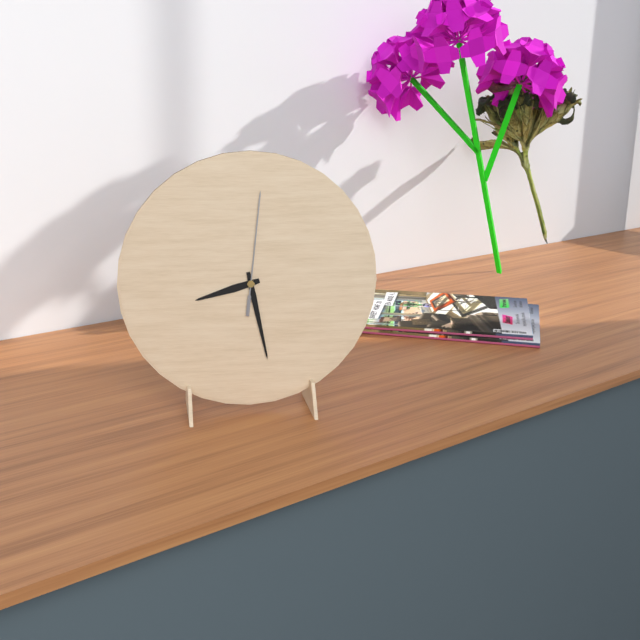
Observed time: **8:28:01**
